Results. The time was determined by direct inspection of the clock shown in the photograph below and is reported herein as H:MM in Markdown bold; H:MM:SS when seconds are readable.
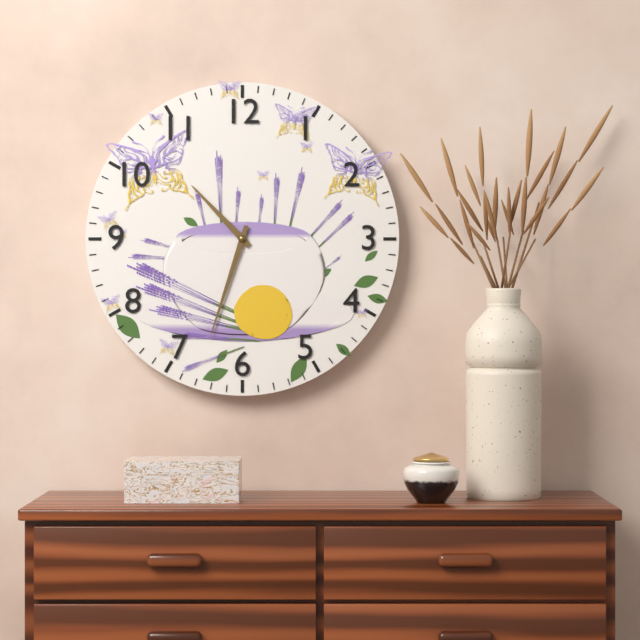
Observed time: **10:33**
